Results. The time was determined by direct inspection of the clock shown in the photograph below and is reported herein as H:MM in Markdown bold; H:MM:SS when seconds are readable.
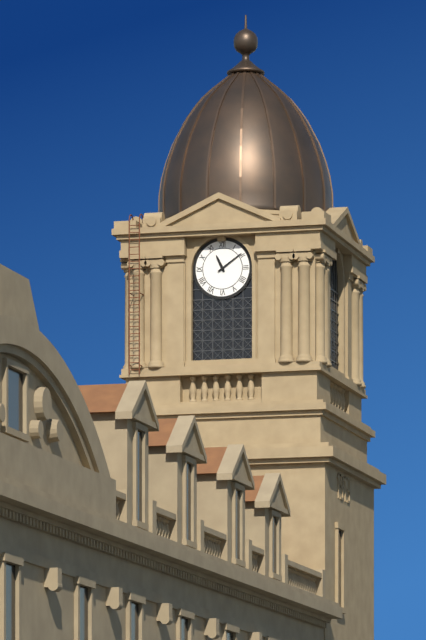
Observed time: **11:09**
